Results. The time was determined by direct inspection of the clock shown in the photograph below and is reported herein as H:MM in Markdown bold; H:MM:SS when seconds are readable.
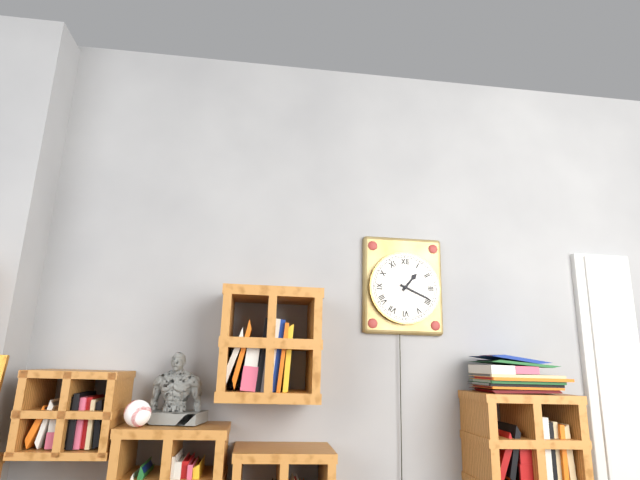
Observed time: **1:19**
